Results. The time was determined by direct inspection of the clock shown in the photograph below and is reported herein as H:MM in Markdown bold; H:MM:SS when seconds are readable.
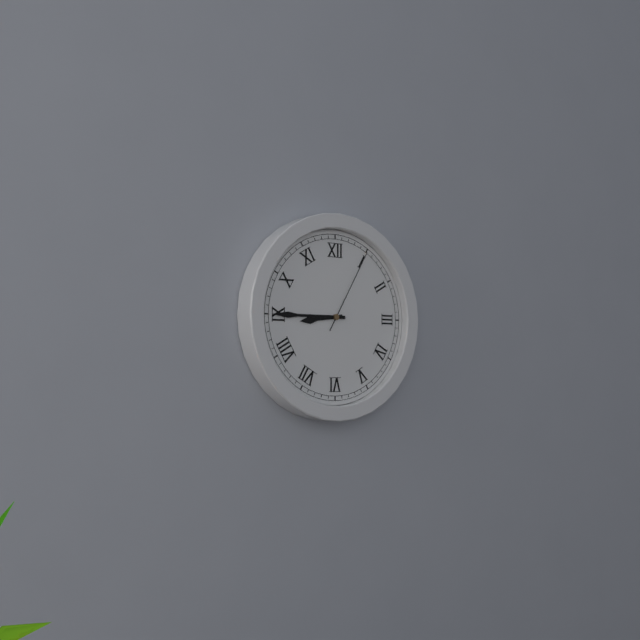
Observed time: **8:45:05**
